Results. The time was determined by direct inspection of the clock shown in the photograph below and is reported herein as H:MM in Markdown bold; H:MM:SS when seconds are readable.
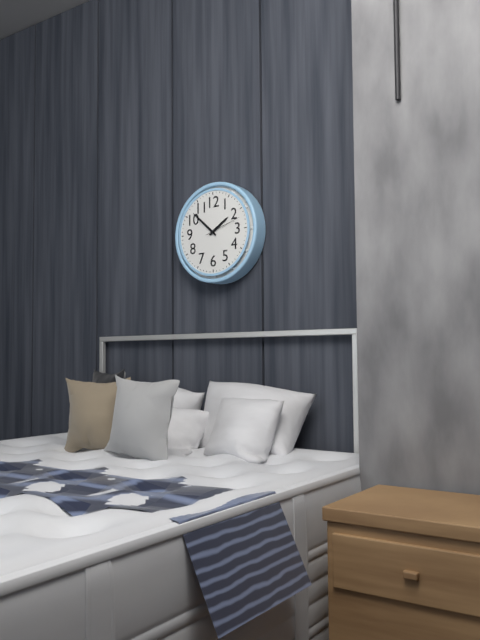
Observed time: **1:52**
